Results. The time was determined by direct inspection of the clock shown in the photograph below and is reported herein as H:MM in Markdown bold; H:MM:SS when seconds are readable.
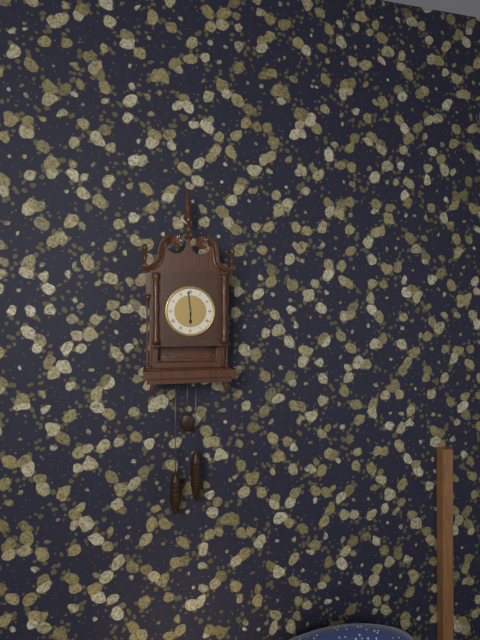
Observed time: **5:59**
